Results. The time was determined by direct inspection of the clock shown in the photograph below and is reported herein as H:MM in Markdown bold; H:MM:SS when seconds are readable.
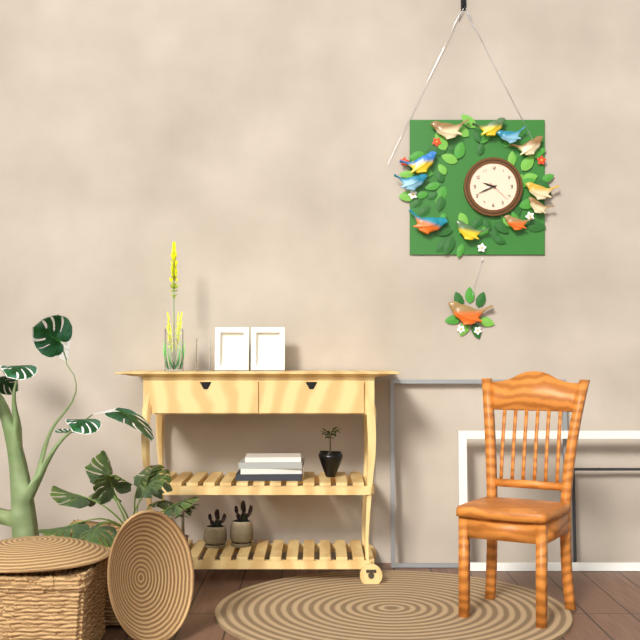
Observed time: **9:41**
